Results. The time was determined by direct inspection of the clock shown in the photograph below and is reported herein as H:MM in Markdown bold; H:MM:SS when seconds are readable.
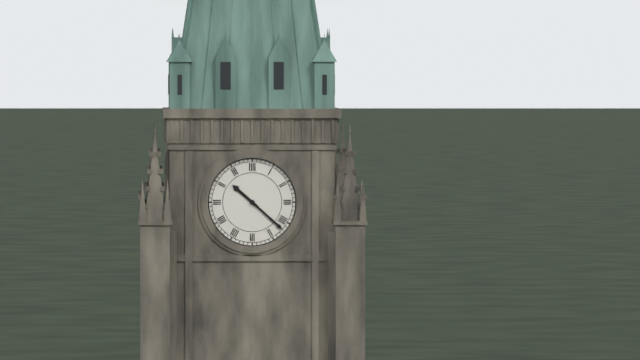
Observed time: **10:22**
